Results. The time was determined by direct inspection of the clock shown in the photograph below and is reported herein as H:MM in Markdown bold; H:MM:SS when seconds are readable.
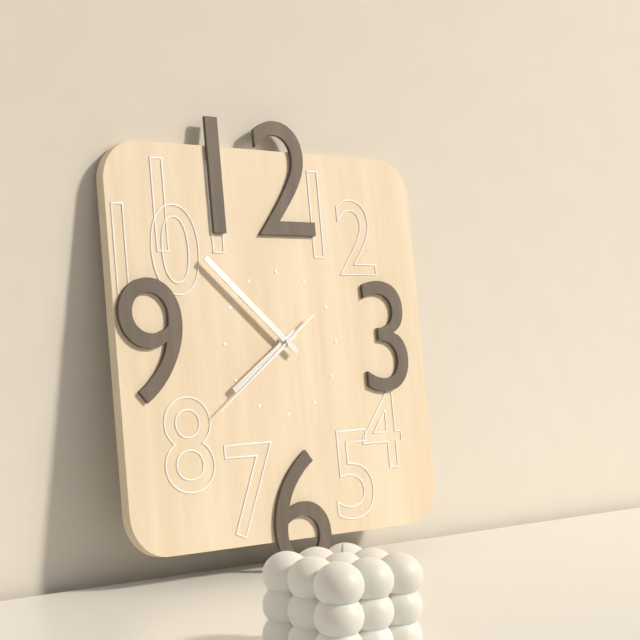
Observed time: **7:52:39**
